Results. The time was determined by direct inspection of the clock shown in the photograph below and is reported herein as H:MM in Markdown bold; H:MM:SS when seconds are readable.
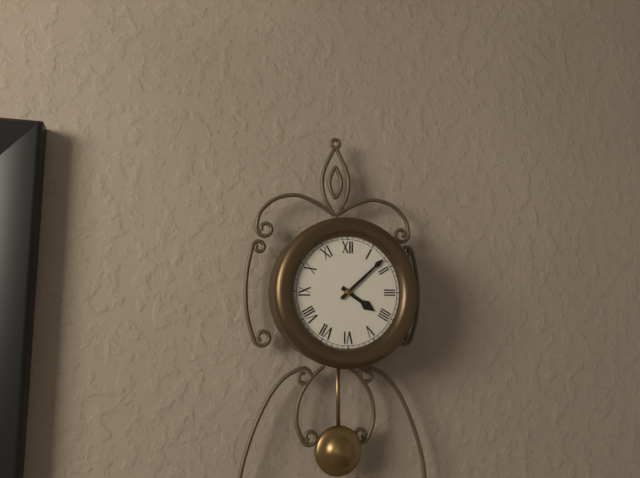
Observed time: **4:08**
